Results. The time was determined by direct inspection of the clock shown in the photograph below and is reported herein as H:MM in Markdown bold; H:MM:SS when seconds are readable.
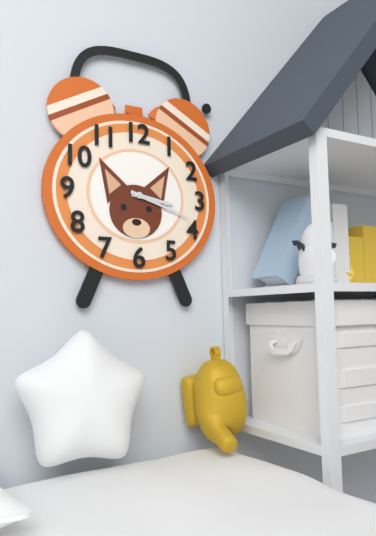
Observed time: **3:18**
